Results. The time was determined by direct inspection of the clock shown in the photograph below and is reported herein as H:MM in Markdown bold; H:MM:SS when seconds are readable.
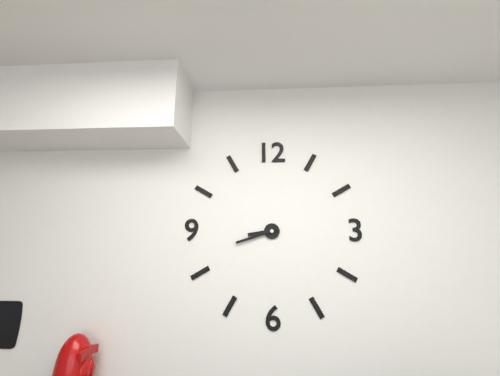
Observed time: **8:42**
